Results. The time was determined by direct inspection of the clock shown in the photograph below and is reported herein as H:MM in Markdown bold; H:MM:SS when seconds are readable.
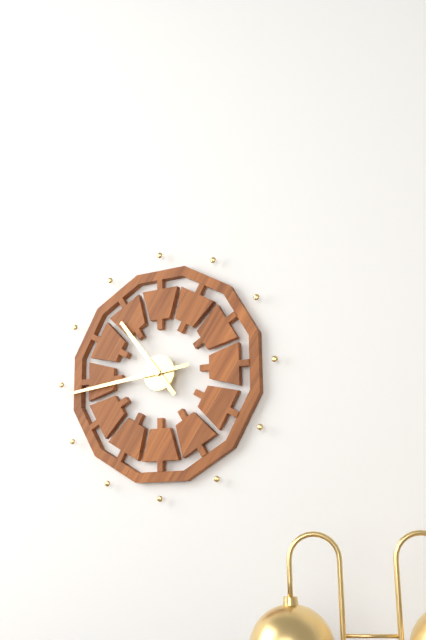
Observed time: **10:44**
